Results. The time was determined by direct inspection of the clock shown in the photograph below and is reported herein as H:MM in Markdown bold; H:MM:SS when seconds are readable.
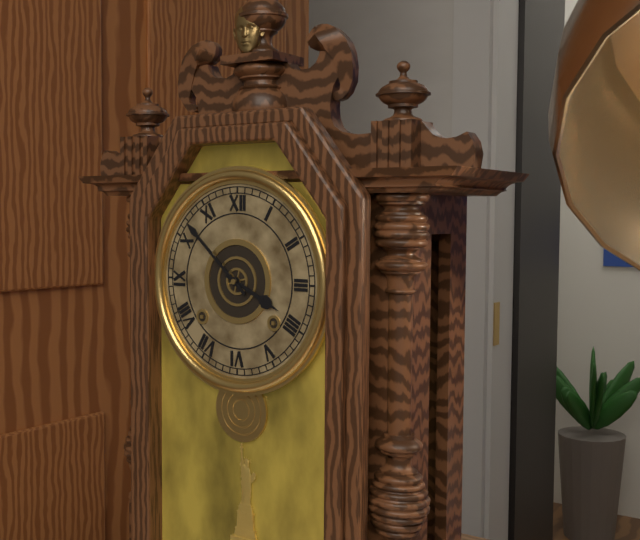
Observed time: **3:52**
